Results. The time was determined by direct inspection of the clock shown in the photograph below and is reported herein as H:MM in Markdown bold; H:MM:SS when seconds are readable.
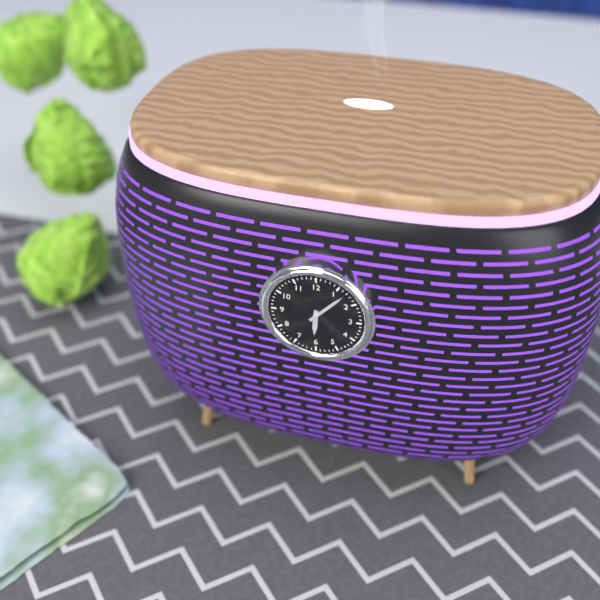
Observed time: **6:07**
